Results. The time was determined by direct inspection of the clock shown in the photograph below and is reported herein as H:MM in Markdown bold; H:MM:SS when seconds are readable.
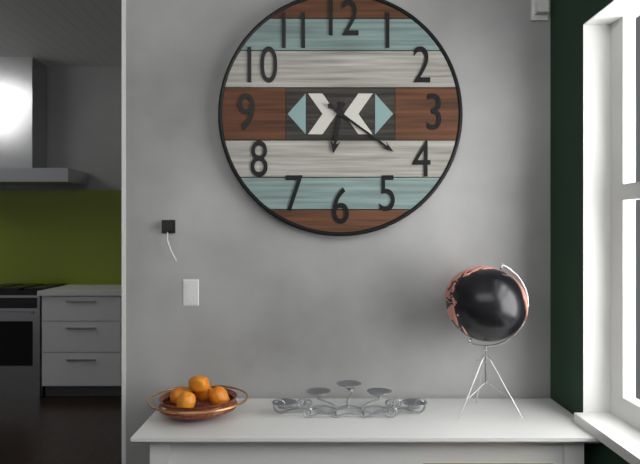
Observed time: **6:21**
